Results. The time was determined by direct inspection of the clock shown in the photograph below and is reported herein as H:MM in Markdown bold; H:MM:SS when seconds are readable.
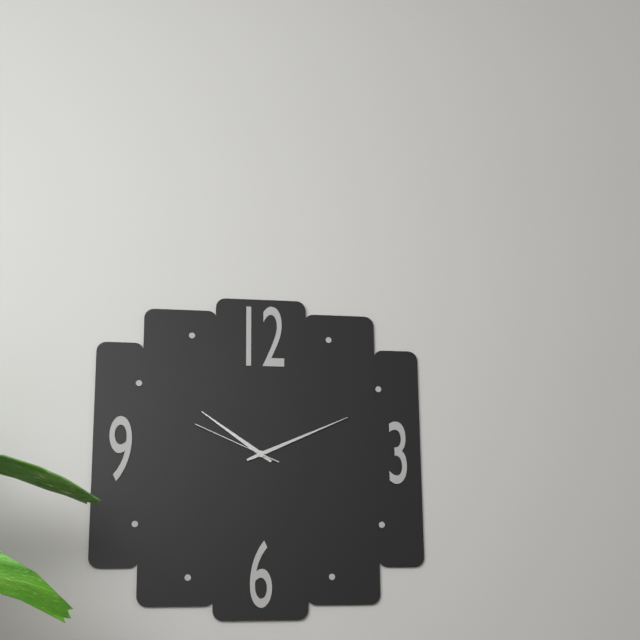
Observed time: **10:11:49**
